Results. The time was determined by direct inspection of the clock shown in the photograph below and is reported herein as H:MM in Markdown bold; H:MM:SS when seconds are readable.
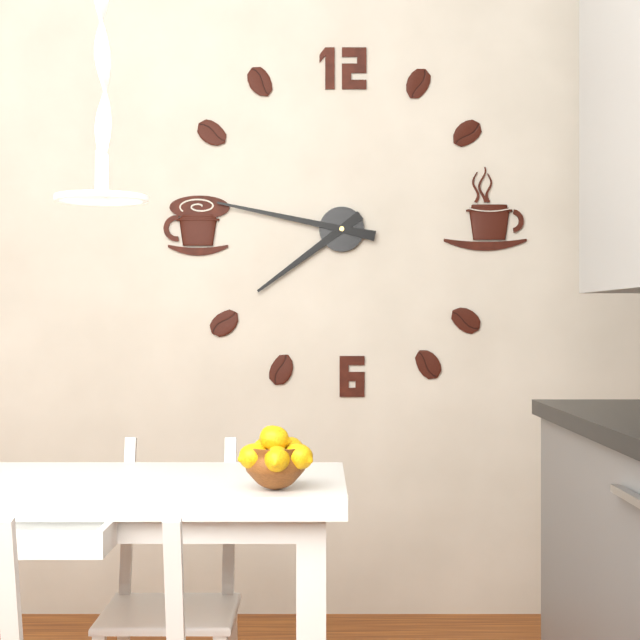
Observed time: **7:47**
